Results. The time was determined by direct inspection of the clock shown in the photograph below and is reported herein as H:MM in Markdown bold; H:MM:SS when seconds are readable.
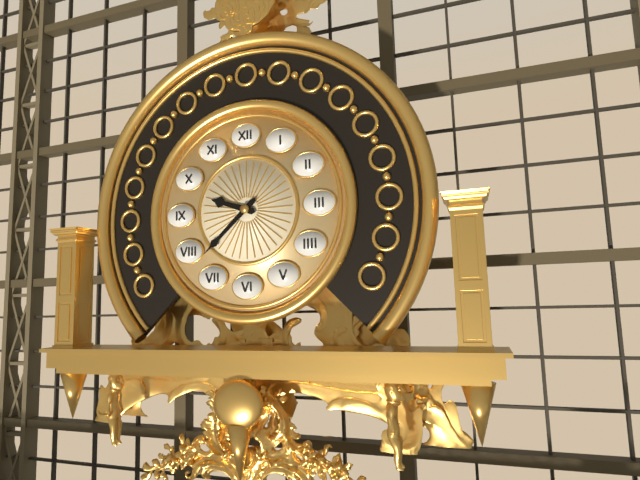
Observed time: **9:38**
